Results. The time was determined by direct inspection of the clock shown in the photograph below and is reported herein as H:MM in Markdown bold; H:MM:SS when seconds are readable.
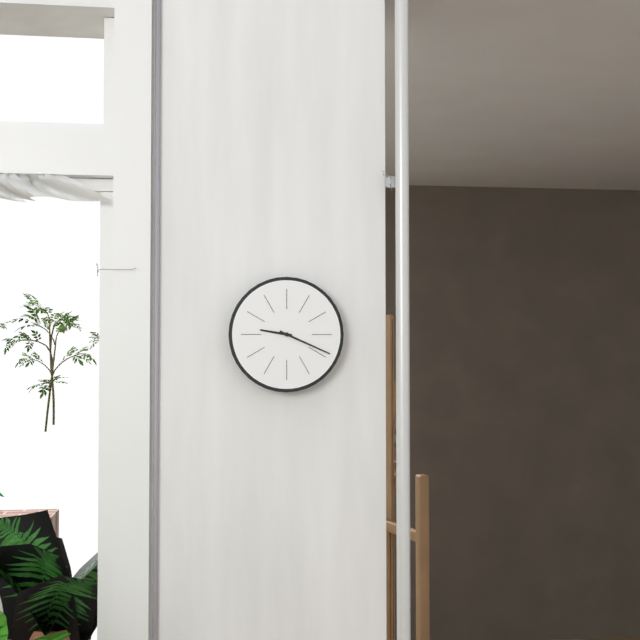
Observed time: **9:19**
